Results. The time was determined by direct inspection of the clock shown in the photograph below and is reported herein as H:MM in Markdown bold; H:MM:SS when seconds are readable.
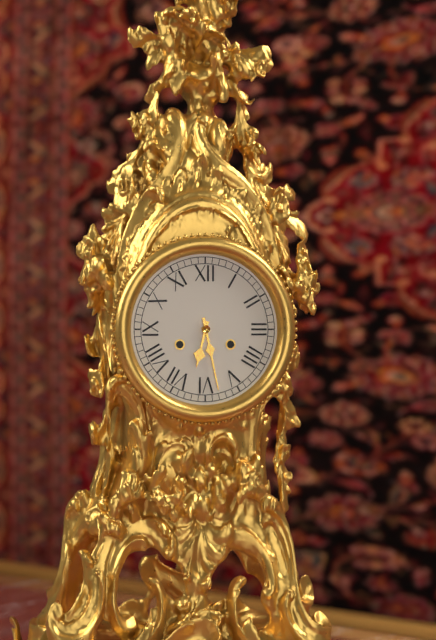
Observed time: **6:28**
